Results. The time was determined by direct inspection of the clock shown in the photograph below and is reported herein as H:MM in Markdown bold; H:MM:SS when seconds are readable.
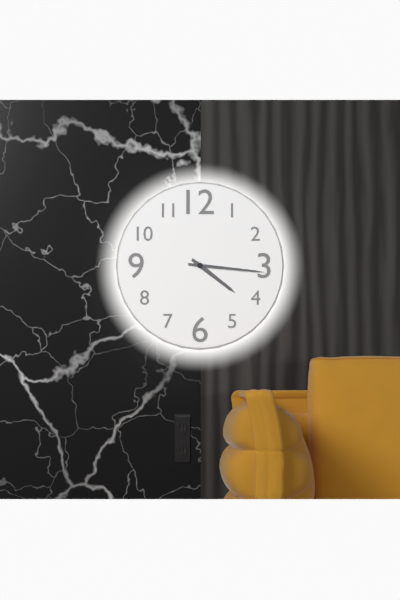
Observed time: **4:16**
